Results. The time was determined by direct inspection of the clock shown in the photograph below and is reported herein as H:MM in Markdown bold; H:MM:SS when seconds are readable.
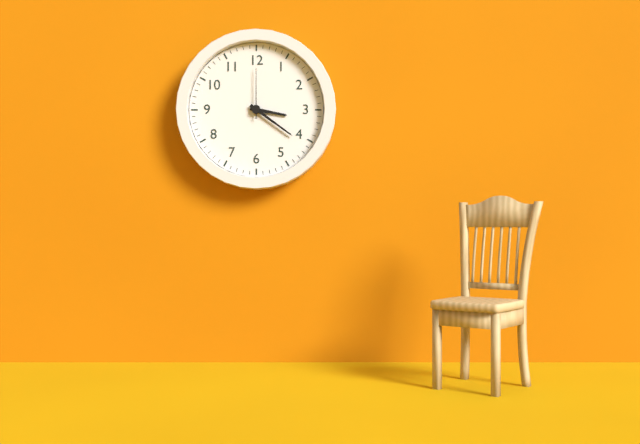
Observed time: **3:21:00**
